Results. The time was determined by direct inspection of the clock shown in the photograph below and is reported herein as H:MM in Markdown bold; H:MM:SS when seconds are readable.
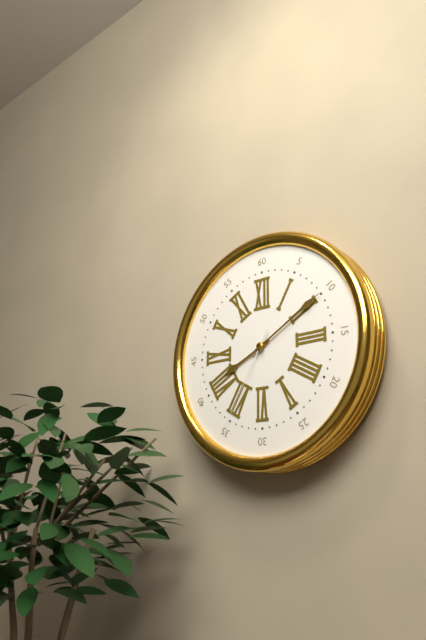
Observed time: **8:10:35**
